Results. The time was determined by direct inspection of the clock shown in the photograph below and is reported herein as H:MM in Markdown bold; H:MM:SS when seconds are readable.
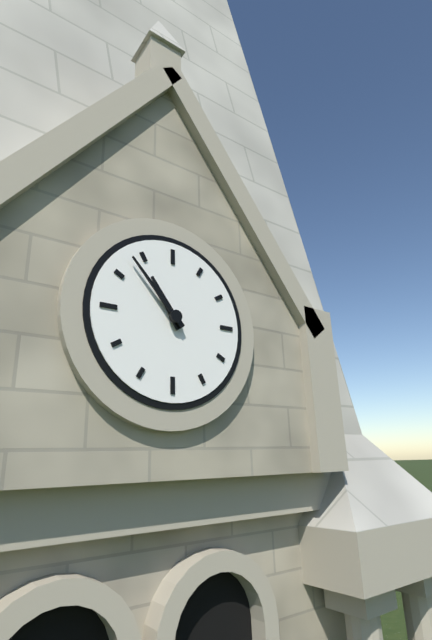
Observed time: **10:53**
